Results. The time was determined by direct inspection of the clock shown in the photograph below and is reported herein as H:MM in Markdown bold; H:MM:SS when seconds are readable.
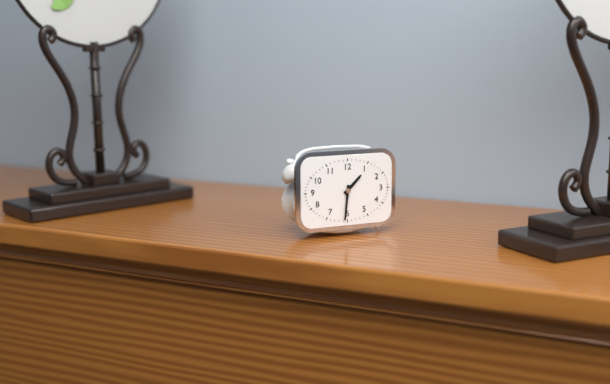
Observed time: **1:31**
